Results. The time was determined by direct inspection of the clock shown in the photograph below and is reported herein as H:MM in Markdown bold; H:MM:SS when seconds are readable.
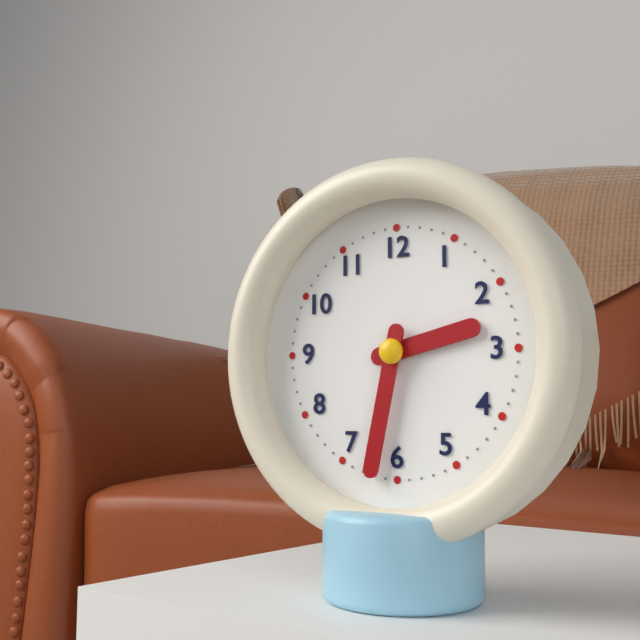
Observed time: **2:32**
